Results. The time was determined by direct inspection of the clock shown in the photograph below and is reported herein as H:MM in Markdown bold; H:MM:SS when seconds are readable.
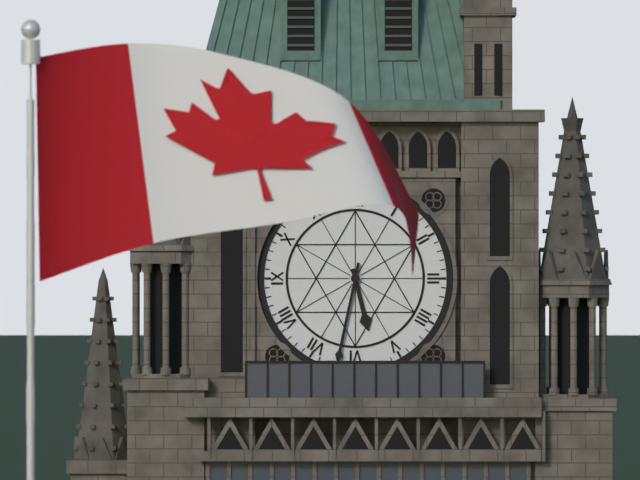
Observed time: **5:32**
